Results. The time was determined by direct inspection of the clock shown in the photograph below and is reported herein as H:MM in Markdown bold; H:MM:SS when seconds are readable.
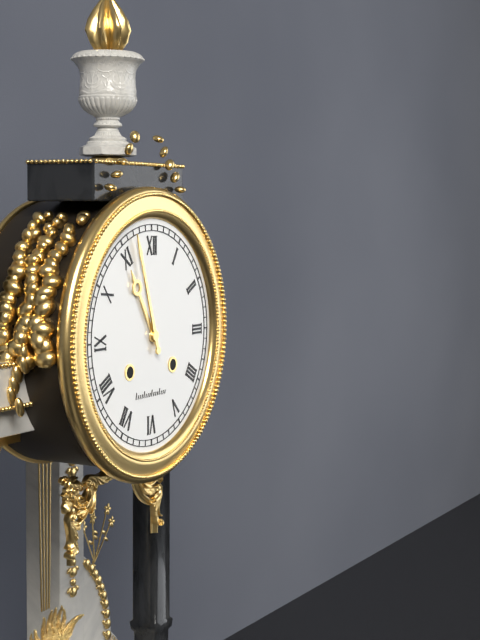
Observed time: **10:57**
